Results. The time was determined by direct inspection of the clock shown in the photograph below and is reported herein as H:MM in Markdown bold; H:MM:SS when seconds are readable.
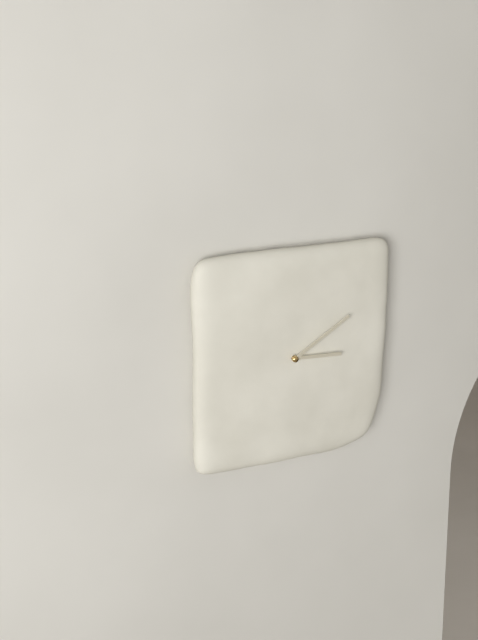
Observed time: **3:10**
